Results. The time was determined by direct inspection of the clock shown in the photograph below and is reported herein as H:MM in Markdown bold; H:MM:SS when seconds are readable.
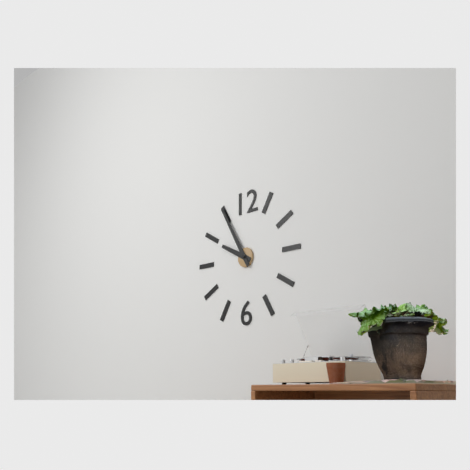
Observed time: **9:55**
